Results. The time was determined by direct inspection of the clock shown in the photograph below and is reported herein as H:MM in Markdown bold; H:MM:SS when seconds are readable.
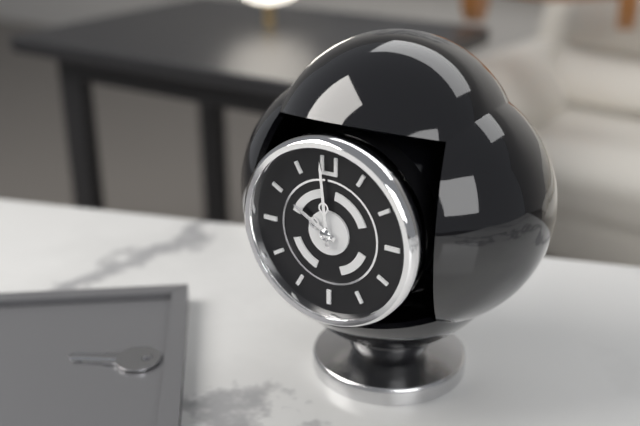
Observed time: **9:59**
